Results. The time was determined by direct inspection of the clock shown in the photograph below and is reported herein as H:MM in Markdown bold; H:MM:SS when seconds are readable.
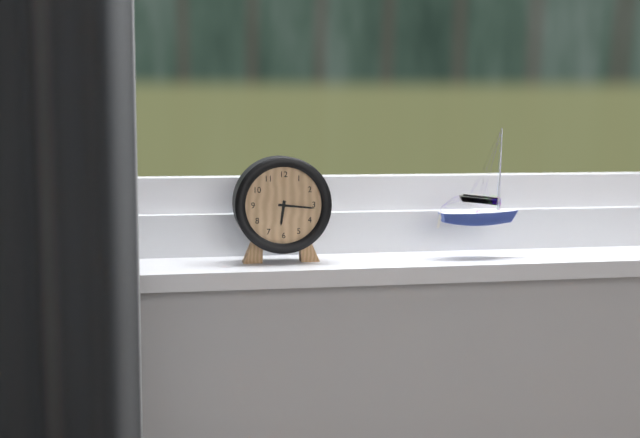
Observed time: **6:16**
